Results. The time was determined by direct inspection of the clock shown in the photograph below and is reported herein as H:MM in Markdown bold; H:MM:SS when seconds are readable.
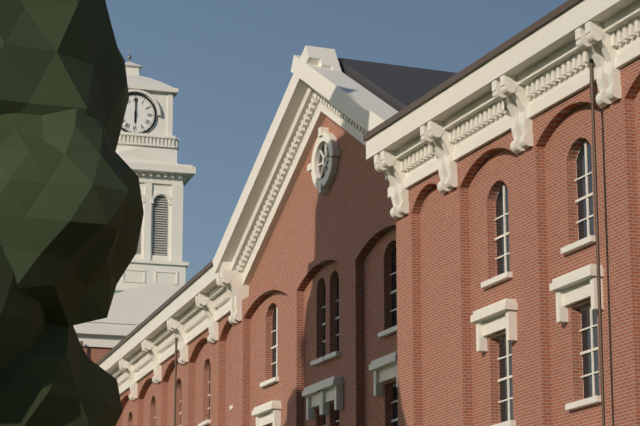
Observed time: **6:00**
